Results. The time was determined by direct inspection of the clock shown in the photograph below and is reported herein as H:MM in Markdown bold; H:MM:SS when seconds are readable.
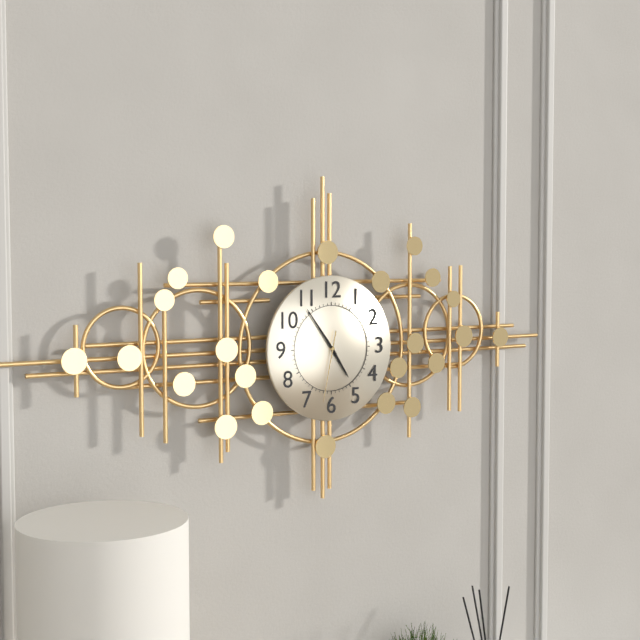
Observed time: **4:54:32**
